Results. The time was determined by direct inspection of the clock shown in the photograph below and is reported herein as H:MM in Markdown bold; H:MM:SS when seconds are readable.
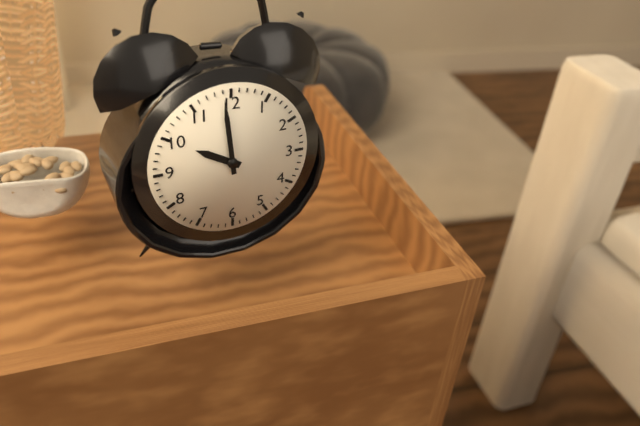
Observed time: **9:59**
